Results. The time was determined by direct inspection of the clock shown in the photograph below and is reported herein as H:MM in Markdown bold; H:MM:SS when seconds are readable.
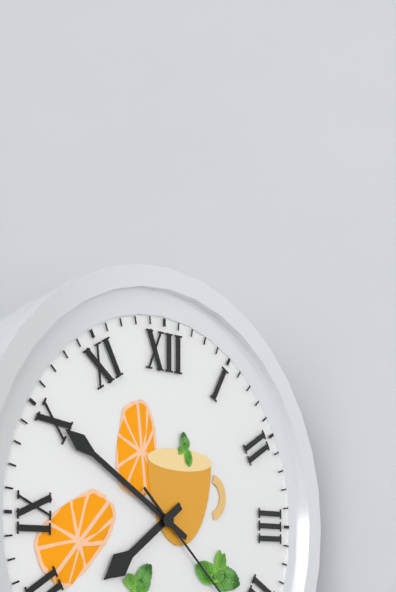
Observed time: **7:50**
